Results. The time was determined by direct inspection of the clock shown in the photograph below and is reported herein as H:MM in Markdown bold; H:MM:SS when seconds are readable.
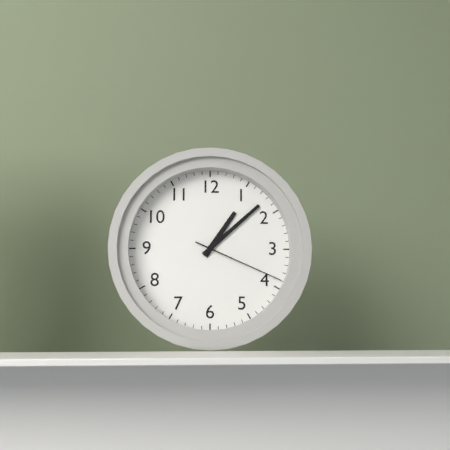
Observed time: **1:08:19**
